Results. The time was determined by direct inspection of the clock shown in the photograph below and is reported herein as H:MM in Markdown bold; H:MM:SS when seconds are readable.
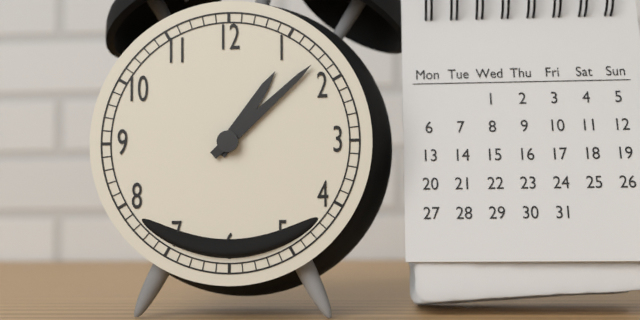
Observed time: **1:08**
